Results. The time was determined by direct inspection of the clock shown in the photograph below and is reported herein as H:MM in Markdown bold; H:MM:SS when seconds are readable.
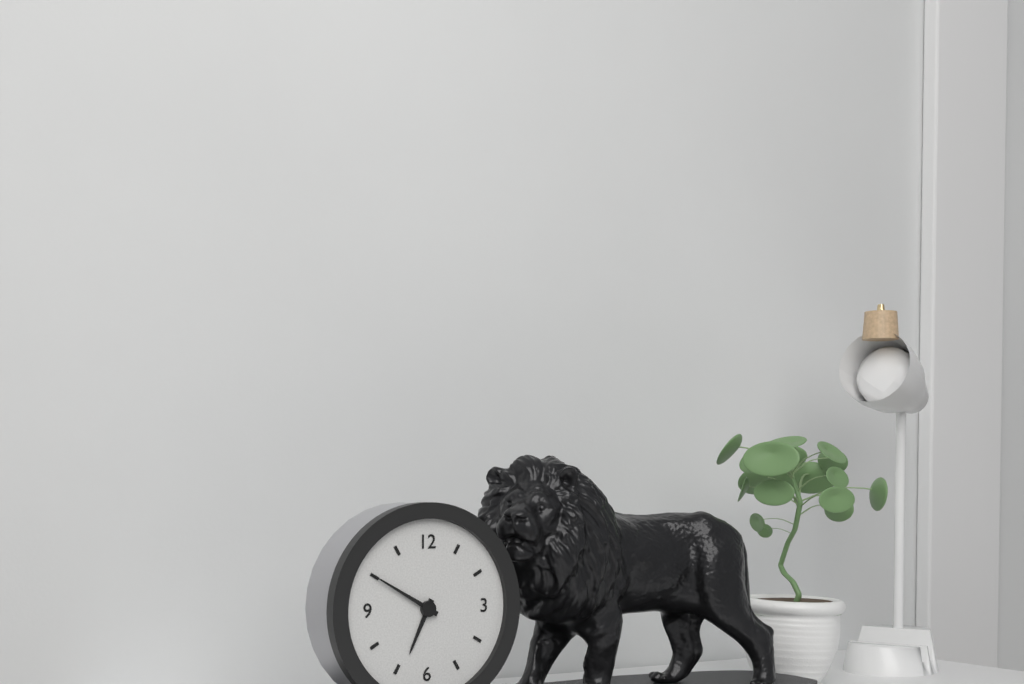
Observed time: **6:50**
